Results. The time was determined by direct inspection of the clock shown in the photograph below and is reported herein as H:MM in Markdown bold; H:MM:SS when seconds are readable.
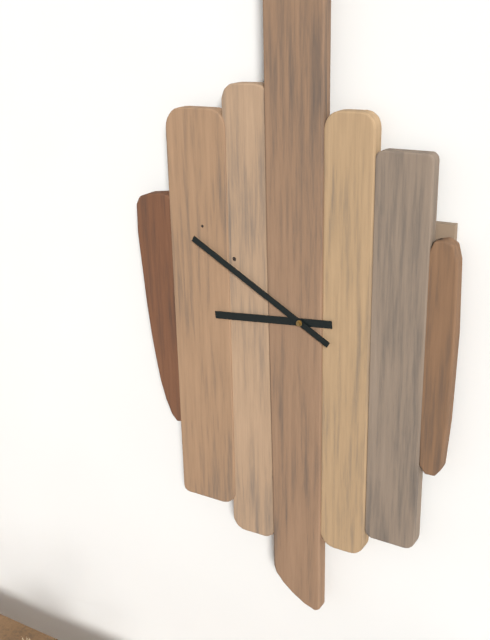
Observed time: **8:50**
